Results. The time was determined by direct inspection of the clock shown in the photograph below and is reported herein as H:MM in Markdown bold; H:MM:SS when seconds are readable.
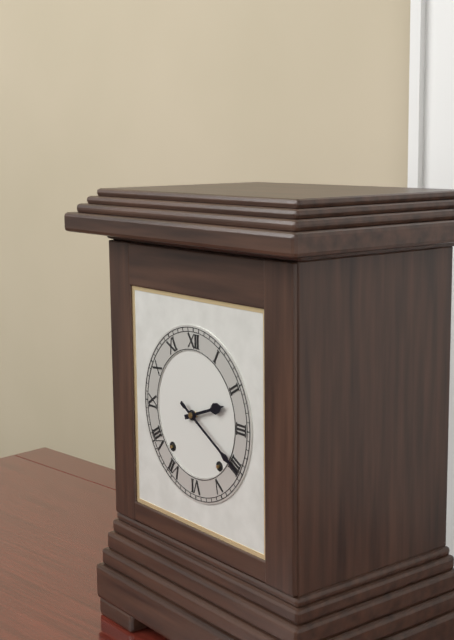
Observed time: **2:20**
